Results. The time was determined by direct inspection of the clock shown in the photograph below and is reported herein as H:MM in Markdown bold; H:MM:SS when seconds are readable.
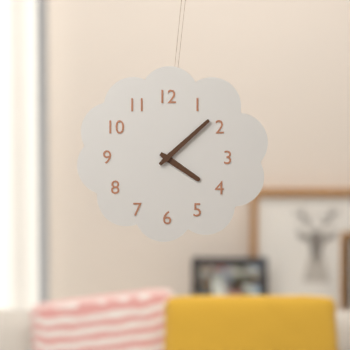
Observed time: **4:08**
